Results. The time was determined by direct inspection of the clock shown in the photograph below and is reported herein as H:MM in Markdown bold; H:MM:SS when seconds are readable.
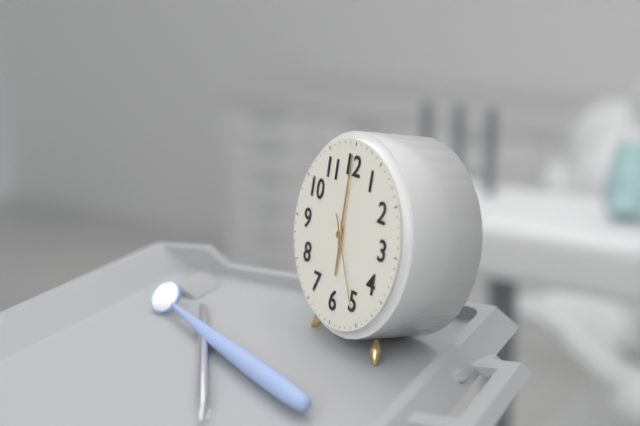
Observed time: **6:00:25**
